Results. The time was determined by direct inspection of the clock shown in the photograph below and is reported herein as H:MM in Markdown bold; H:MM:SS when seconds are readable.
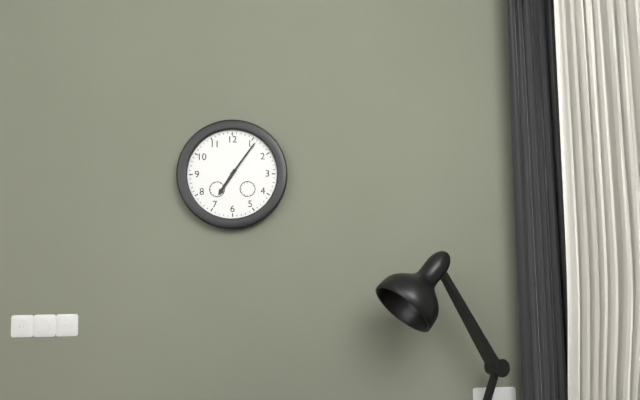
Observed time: **7:06**
